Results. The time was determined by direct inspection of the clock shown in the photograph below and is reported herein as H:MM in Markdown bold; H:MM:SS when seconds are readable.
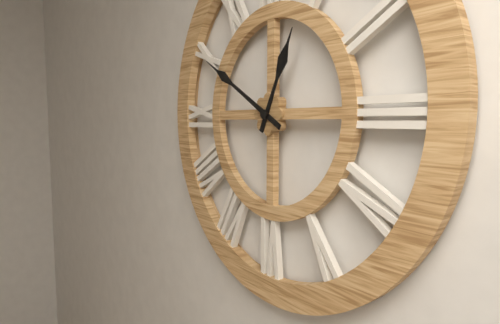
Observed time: **12:50**
